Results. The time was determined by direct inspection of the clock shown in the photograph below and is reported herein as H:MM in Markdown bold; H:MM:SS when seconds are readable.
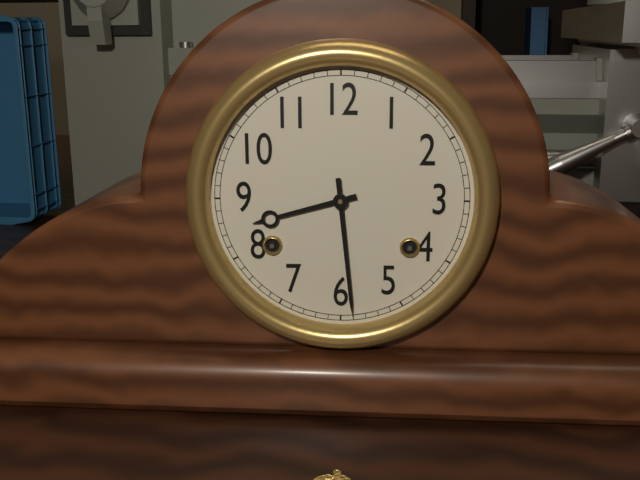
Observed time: **8:29**
